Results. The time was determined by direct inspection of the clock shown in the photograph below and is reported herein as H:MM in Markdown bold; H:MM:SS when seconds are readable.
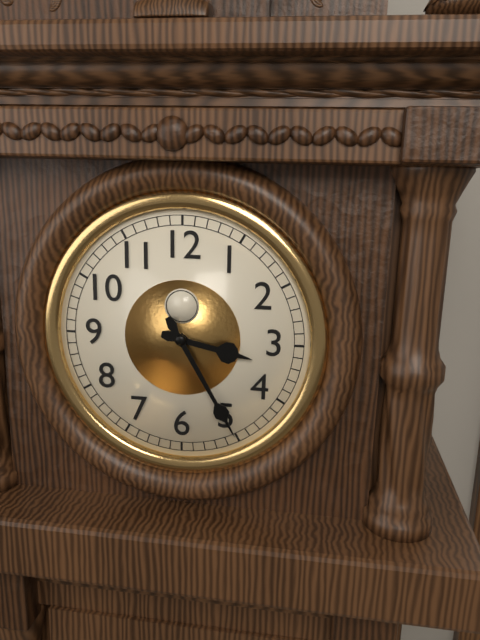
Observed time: **3:25**
